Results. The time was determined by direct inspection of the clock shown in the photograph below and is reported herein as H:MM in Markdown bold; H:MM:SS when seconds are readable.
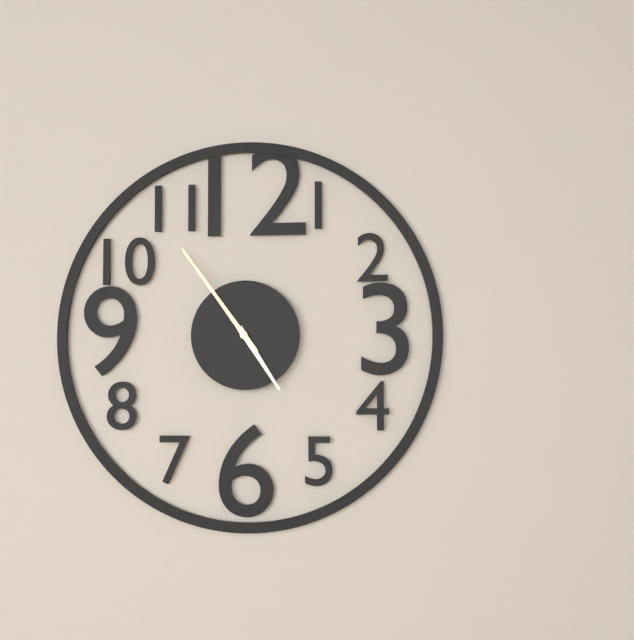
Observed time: **4:54**
